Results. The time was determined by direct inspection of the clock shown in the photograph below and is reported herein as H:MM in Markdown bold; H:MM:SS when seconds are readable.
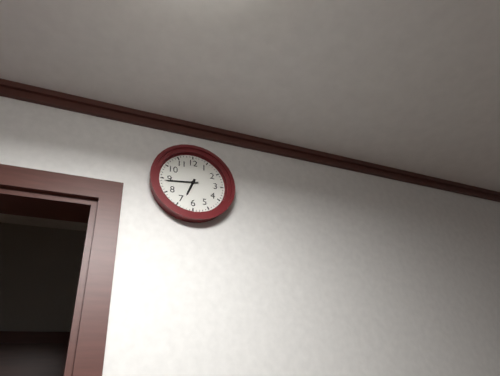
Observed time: **6:44**
